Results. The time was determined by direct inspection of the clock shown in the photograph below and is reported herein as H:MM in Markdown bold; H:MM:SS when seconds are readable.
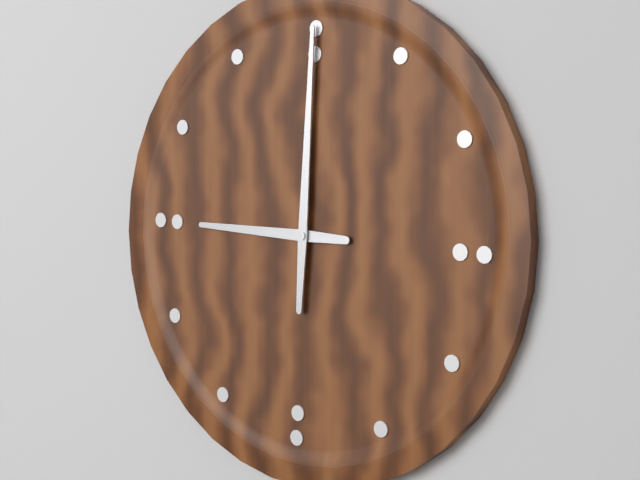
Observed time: **9:00**
